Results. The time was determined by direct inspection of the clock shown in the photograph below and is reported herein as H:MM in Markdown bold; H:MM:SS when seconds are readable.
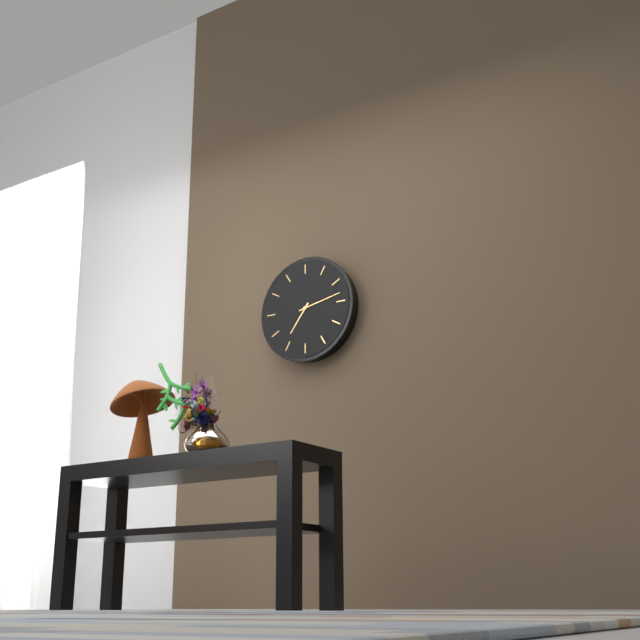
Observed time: **7:13**
